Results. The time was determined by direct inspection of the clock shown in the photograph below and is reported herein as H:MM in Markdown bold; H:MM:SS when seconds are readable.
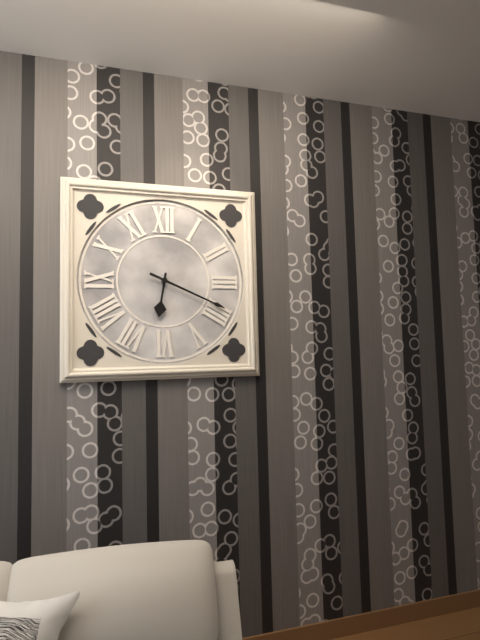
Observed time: **6:19**
